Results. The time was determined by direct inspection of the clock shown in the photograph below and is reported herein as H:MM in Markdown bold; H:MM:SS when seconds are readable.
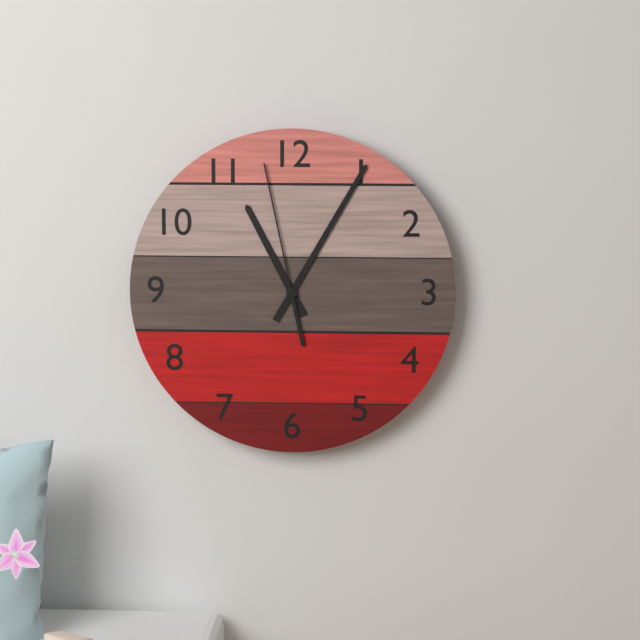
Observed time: **11:05:58**
